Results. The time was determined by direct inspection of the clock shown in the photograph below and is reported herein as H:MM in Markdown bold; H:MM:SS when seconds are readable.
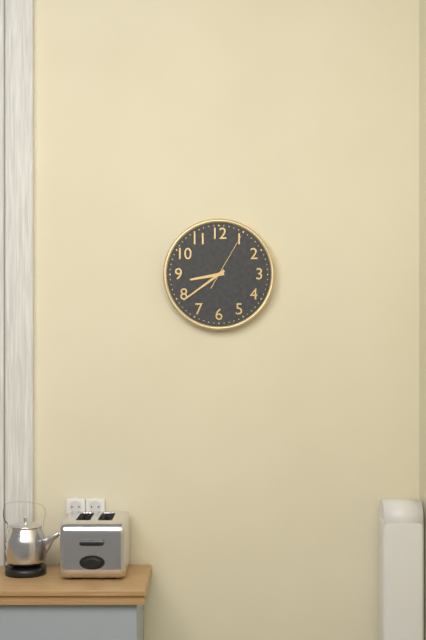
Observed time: **8:39:05**
